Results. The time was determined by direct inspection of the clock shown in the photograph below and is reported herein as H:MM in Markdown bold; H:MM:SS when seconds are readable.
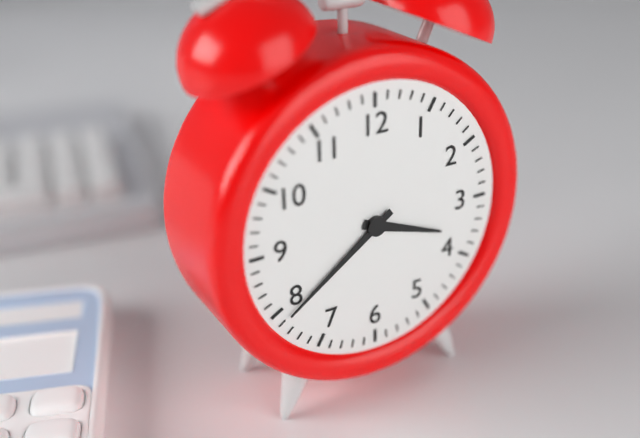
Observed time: **3:39**
